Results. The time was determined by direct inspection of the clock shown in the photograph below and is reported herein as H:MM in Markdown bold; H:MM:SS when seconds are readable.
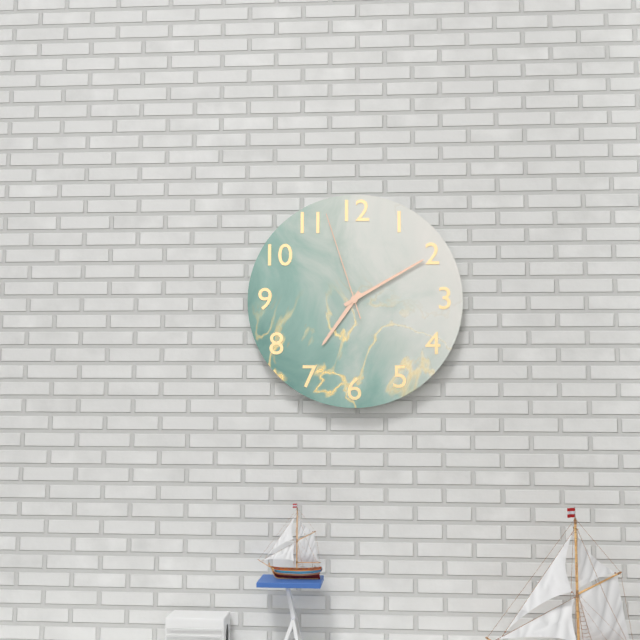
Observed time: **7:10:57**
